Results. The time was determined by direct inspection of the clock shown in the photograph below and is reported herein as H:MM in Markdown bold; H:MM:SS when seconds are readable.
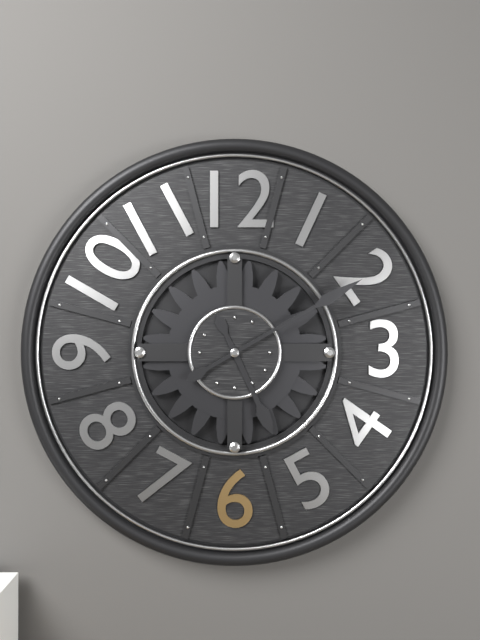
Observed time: **5:10**
